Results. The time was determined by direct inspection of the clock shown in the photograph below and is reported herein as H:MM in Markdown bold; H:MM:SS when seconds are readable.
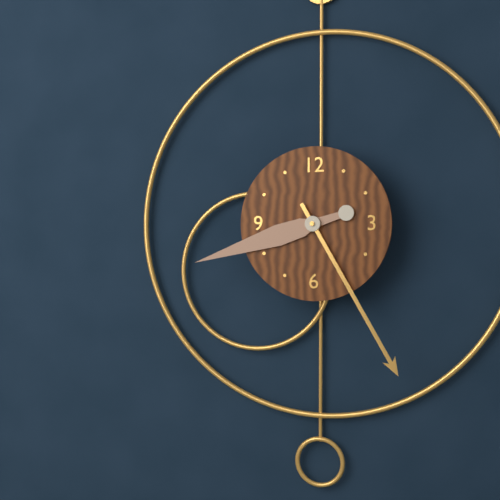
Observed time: **8:25**
